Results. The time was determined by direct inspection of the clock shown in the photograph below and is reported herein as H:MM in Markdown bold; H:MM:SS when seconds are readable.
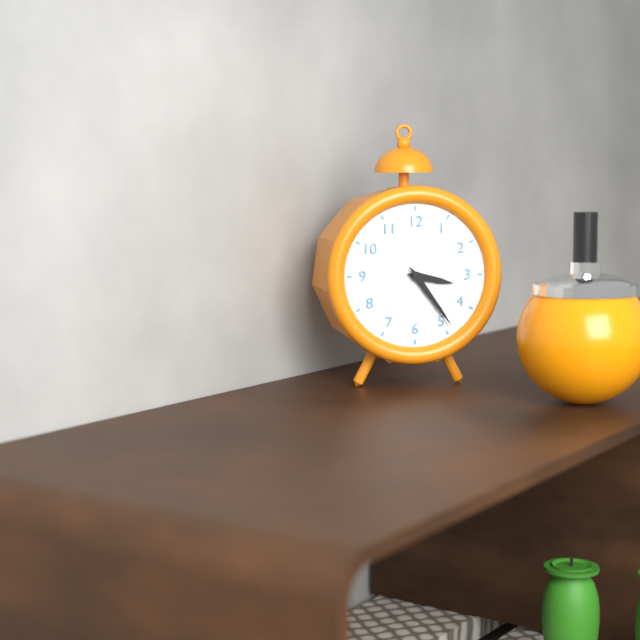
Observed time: **3:24**
